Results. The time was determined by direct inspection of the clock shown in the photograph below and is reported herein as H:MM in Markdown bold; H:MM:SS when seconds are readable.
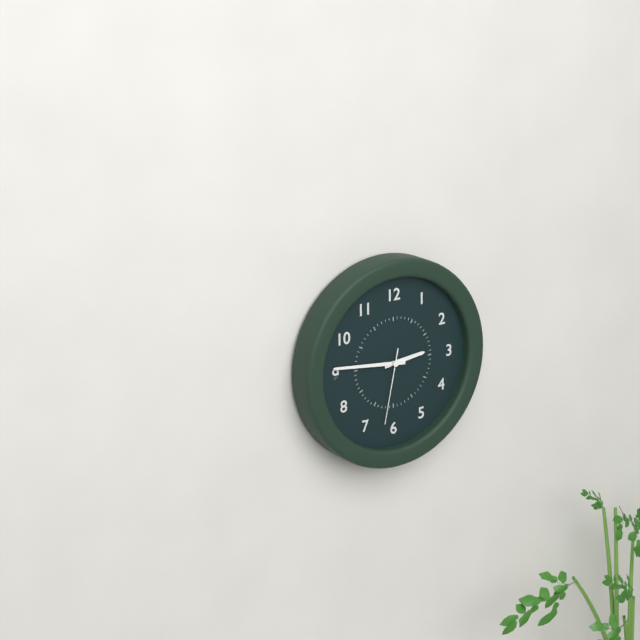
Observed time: **2:46:32**
